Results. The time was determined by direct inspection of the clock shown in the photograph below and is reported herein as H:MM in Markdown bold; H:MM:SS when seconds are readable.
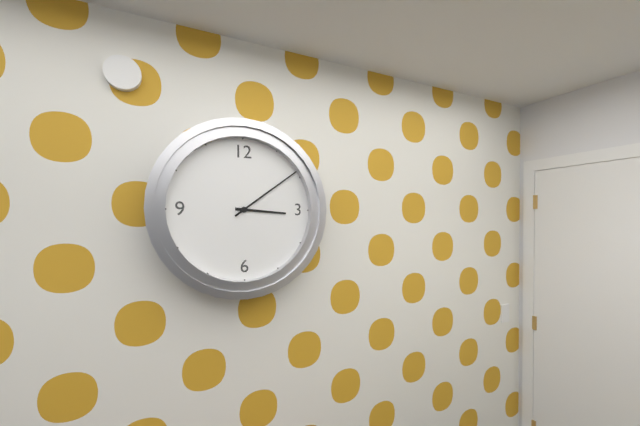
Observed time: **3:09**
